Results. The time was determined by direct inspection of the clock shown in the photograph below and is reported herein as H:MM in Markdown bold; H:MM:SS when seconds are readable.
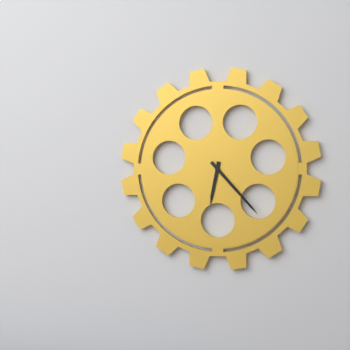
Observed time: **6:23**
